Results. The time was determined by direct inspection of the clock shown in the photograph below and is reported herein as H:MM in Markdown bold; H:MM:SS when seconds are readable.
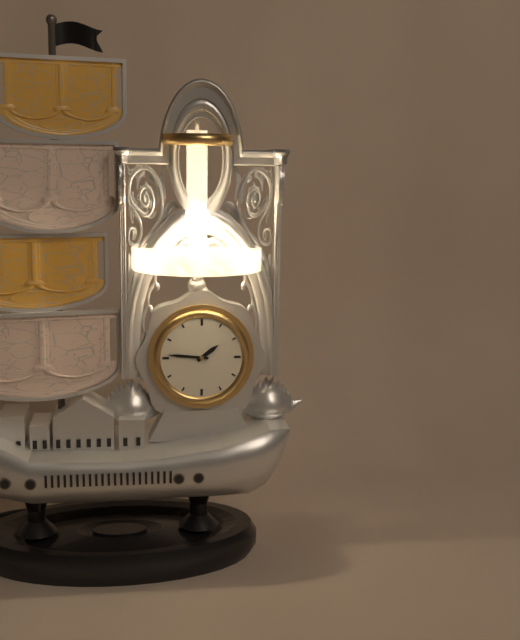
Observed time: **1:46**
